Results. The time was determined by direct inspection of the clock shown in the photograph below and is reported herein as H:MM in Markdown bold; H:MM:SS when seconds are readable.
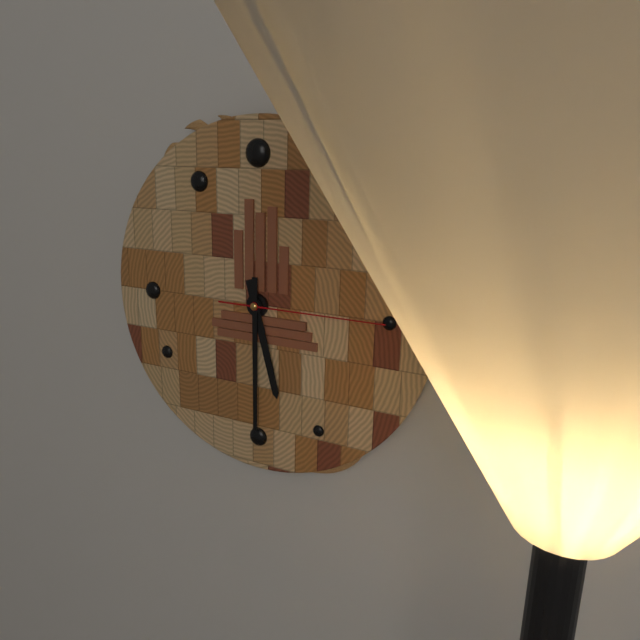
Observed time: **5:30:15**
